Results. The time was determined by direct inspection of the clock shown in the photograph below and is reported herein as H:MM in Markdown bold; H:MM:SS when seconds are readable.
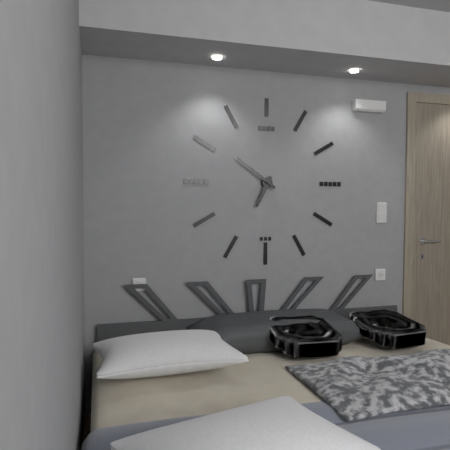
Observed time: **6:51**
